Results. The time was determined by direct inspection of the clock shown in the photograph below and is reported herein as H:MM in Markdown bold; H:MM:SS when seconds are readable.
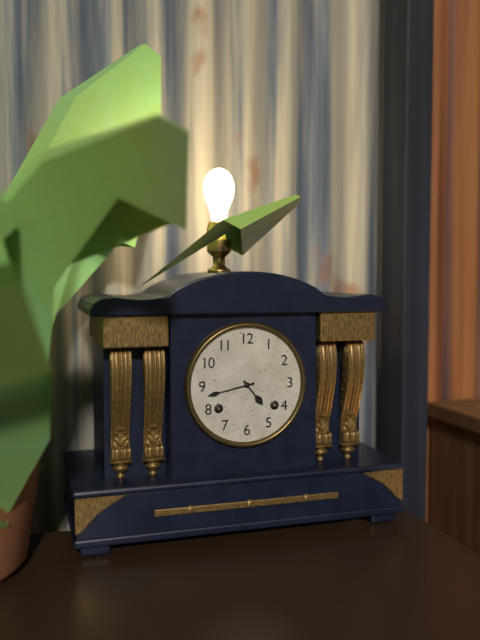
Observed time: **4:43**
